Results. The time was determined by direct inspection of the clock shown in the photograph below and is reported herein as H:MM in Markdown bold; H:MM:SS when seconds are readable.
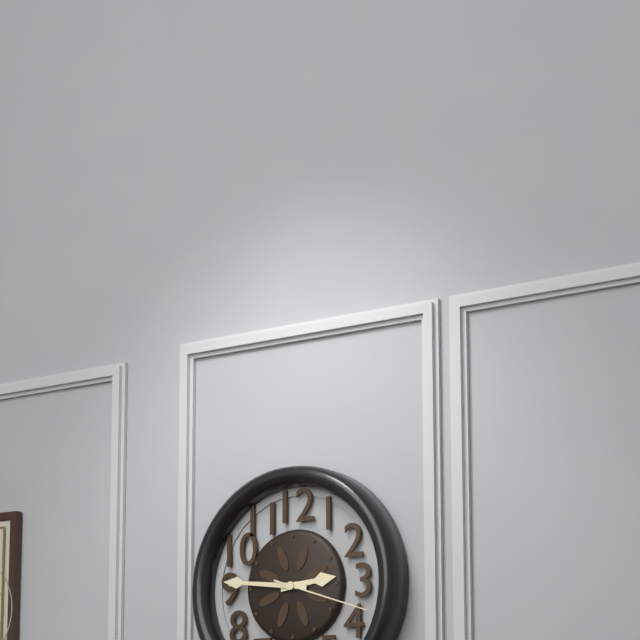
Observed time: **2:46:18**
